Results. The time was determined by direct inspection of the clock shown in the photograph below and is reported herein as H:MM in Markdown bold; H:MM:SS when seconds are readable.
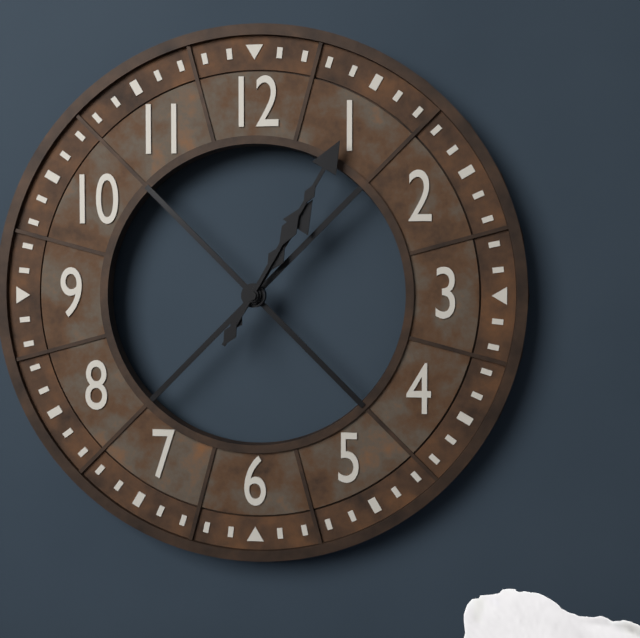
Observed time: **1:05**
